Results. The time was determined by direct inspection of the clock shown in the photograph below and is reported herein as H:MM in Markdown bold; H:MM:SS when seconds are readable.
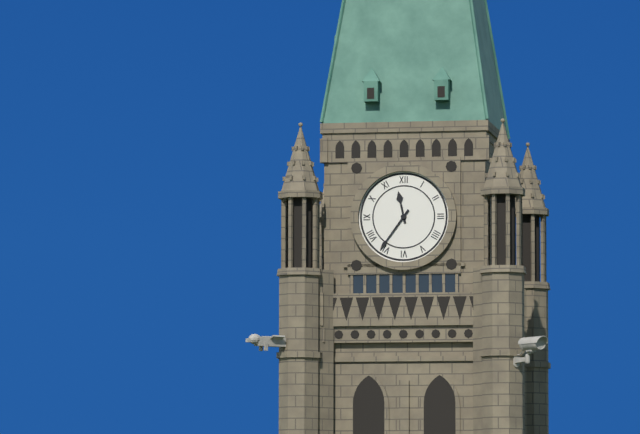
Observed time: **11:36**
